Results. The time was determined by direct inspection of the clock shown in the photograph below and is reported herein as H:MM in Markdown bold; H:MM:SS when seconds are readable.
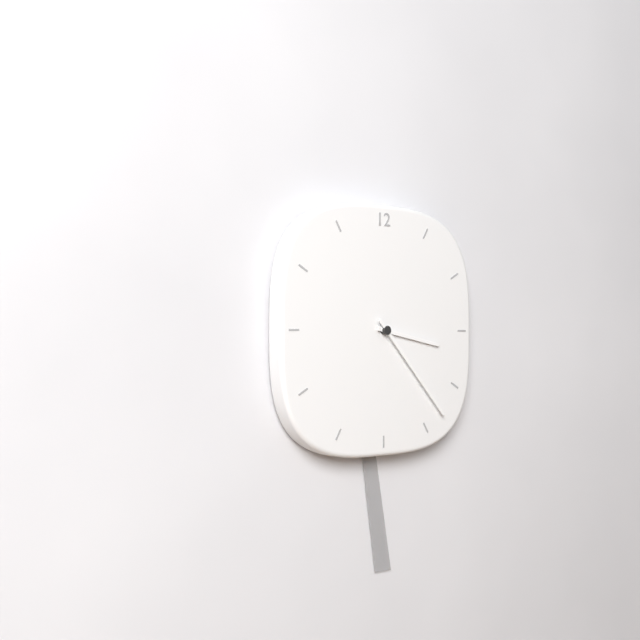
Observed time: **3:23**
